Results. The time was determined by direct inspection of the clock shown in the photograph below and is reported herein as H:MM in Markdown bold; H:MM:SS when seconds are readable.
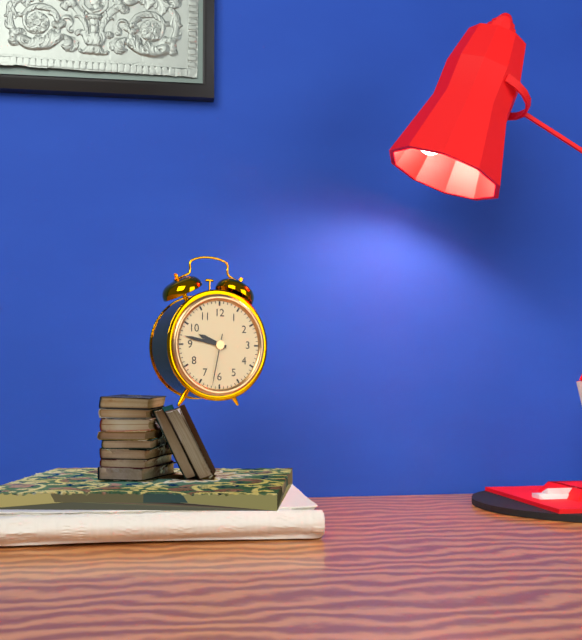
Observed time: **9:47:32**
